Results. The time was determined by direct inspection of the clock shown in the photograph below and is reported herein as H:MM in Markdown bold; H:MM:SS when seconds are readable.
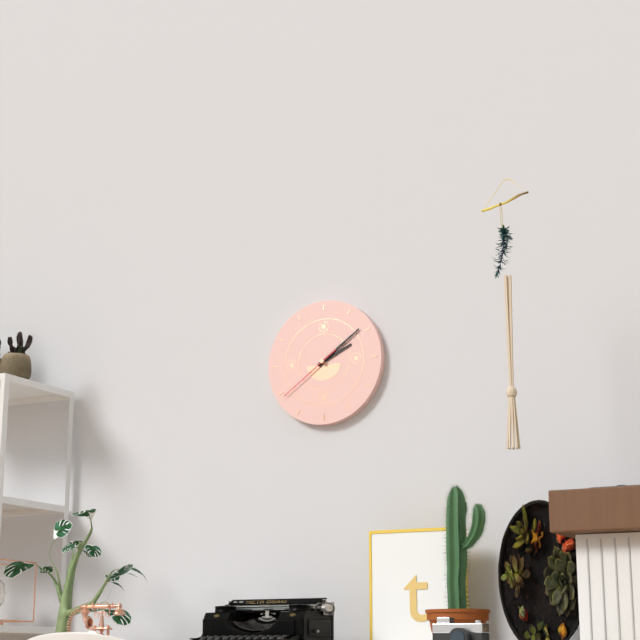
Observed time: **2:09:39**
